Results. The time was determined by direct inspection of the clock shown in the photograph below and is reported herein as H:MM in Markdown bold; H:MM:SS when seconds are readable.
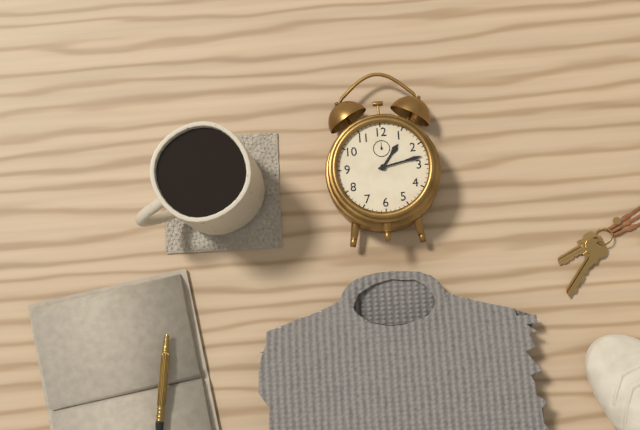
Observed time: **1:13**
